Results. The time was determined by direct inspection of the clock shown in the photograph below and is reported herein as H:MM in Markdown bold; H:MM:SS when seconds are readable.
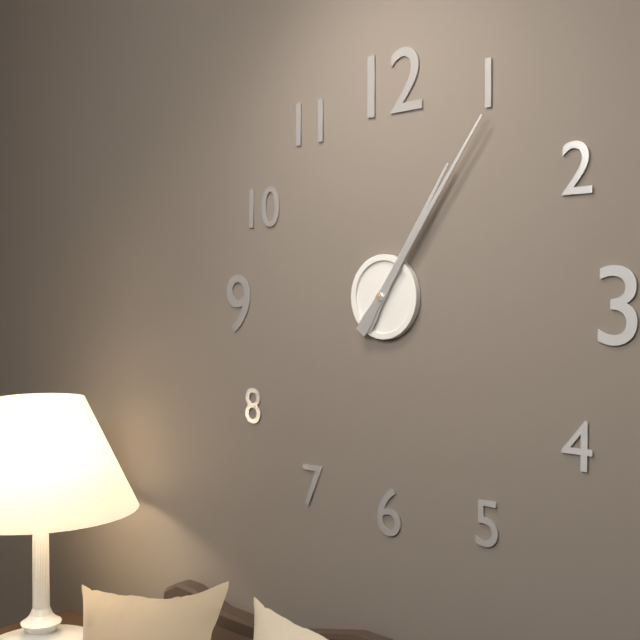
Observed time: **1:06**
